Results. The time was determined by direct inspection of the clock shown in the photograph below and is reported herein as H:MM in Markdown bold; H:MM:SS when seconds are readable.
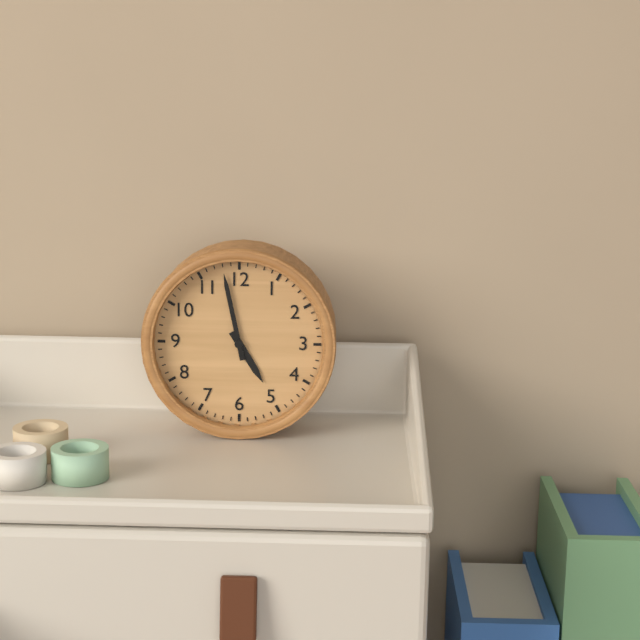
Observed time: **4:58**
